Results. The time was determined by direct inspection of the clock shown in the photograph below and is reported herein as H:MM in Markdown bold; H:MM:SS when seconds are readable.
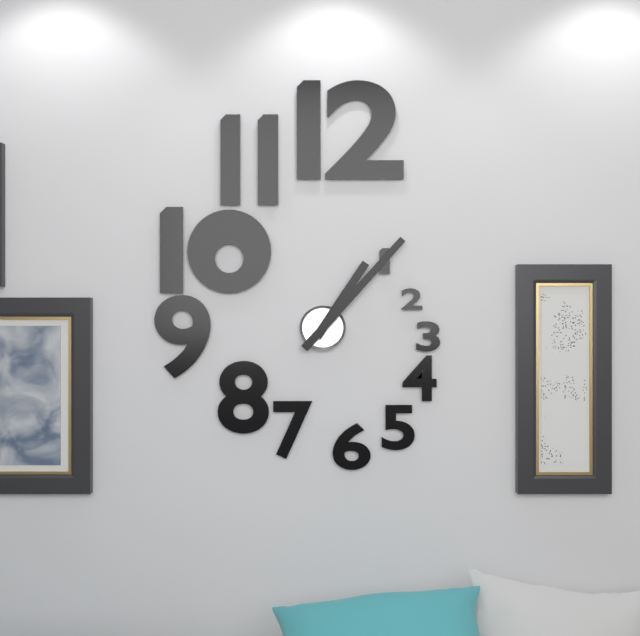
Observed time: **1:07**
